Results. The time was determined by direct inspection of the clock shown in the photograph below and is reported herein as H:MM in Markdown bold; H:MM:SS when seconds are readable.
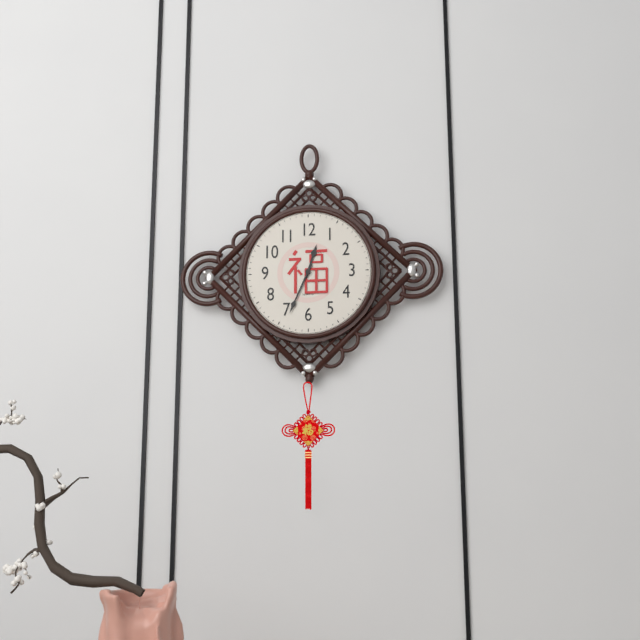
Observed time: **12:34**
